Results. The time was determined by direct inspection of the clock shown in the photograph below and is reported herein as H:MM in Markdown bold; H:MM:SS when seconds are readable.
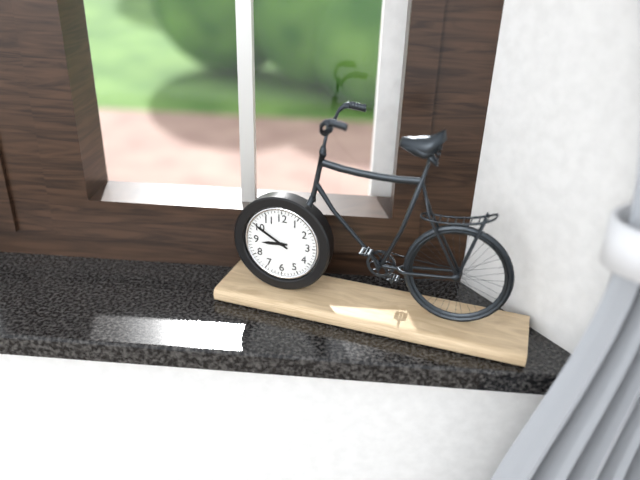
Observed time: **8:50**
